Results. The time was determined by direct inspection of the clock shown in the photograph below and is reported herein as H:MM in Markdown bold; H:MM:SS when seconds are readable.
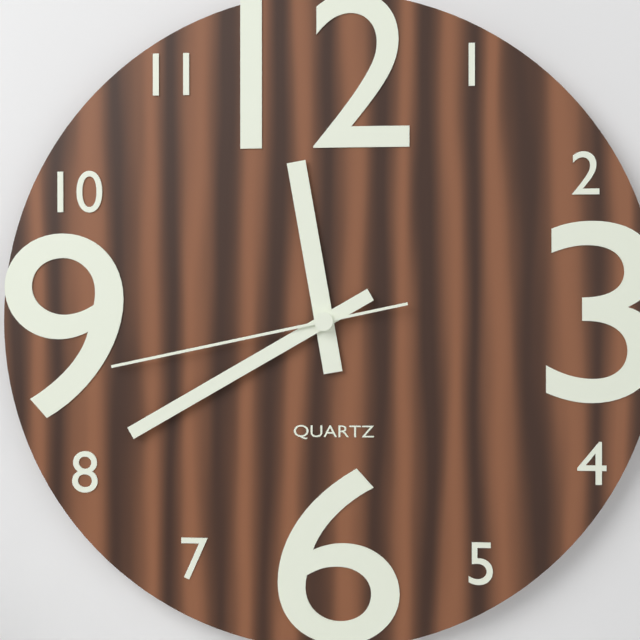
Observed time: **11:40:43**
